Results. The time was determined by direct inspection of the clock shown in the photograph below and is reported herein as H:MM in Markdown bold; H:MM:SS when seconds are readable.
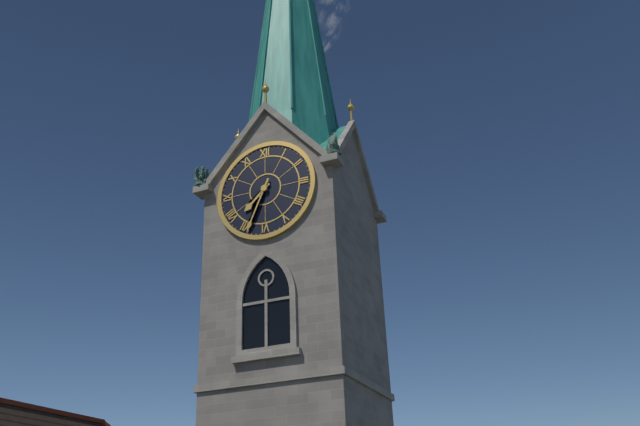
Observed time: **7:34**
